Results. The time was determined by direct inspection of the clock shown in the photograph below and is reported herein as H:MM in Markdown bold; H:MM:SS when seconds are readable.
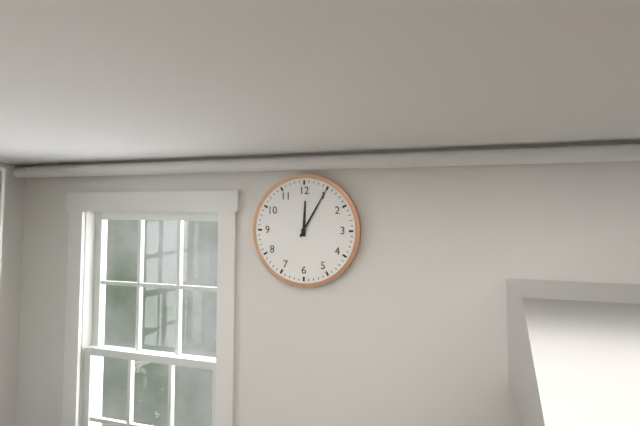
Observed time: **12:05**
